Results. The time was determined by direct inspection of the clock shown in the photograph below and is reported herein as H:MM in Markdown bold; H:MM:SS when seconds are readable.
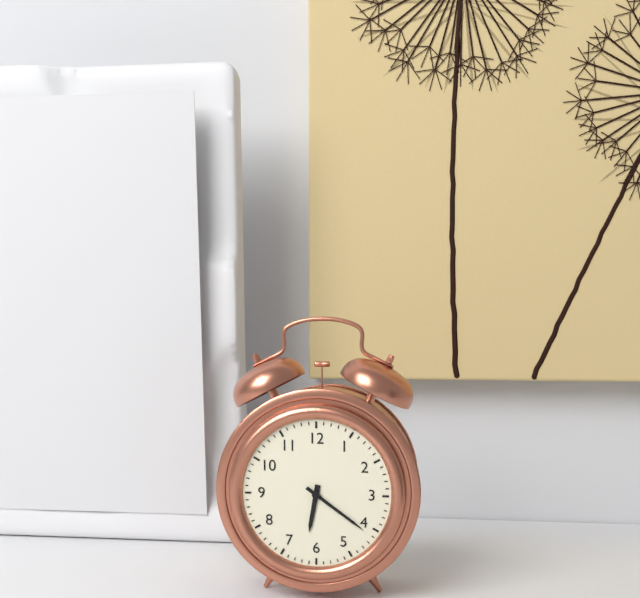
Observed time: **6:21**
